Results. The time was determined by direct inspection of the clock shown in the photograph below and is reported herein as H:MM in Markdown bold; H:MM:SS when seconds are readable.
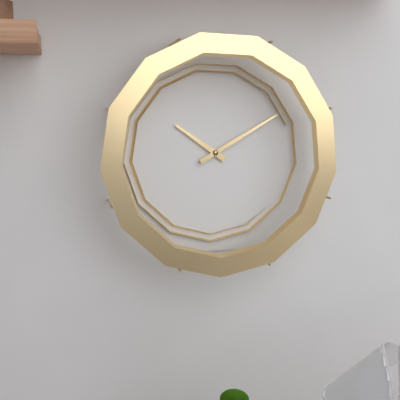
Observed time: **10:10**
